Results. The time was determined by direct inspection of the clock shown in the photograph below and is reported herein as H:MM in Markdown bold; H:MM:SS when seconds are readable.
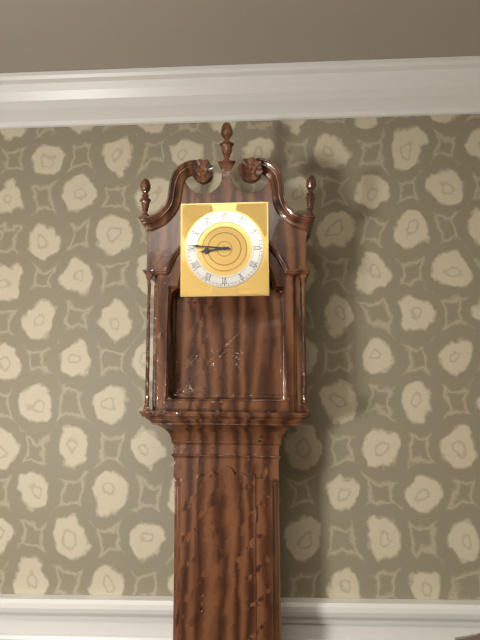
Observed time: **8:46**
